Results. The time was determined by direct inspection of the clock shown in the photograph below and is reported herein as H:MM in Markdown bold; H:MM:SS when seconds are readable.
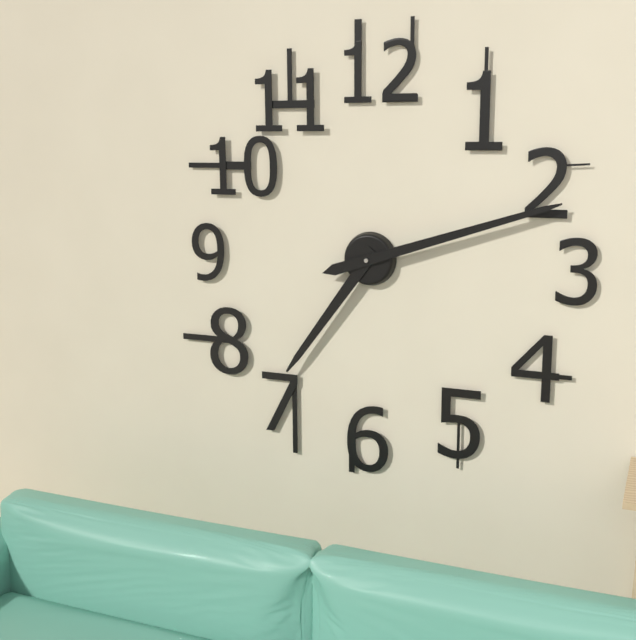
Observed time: **7:12**
